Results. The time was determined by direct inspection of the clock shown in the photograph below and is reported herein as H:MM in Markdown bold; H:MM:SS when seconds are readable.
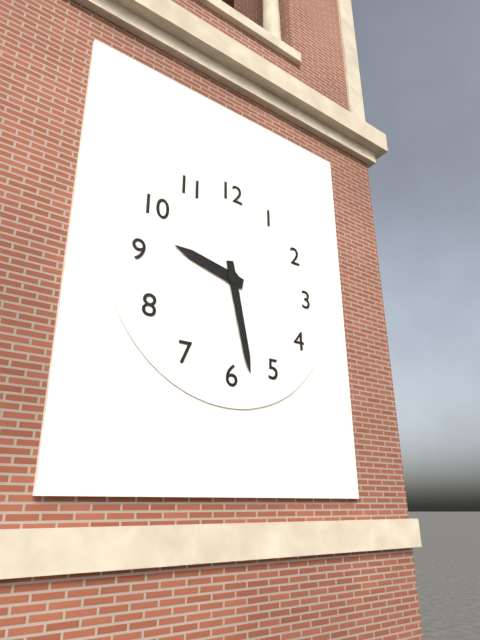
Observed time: **9:28**
